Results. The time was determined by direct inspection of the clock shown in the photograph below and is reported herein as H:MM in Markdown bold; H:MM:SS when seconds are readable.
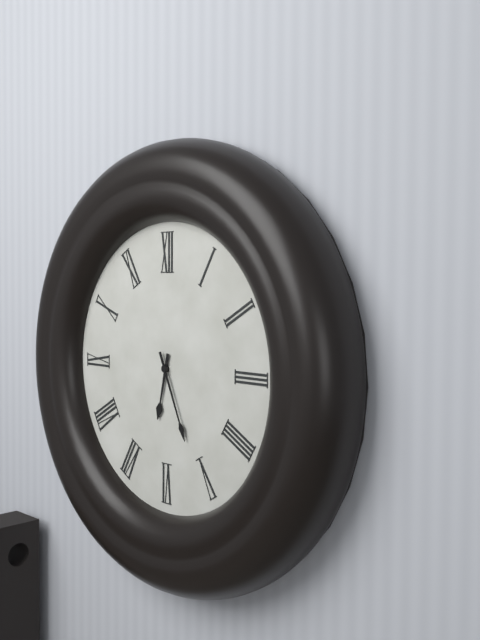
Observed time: **6:26**
